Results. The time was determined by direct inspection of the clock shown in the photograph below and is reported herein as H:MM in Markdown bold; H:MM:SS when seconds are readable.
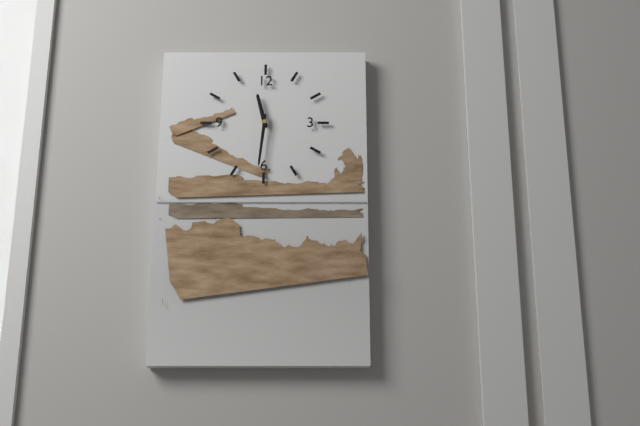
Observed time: **11:31**
